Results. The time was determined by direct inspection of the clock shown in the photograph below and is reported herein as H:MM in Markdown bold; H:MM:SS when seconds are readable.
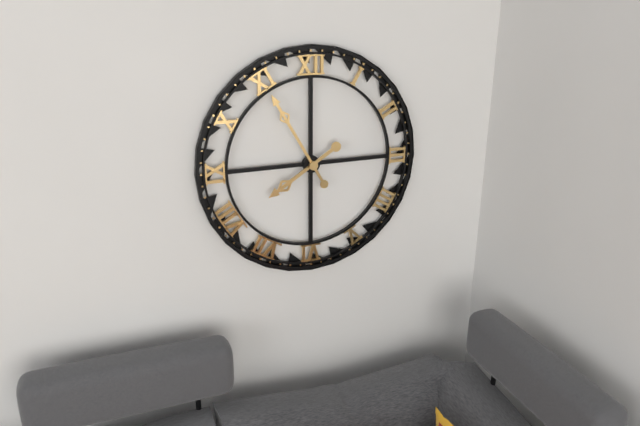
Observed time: **7:55**
